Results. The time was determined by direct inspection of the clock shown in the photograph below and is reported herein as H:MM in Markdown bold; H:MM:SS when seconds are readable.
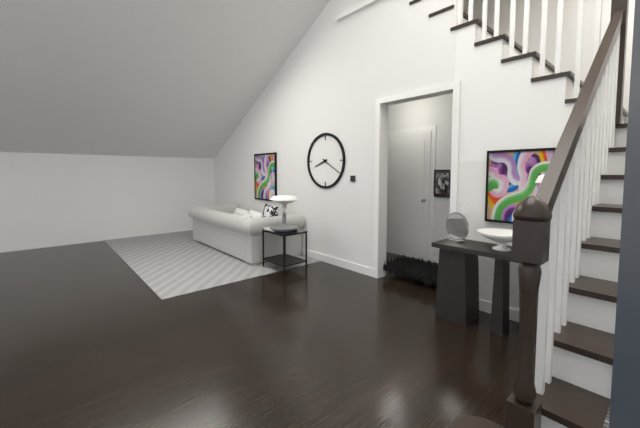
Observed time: **8:20**
